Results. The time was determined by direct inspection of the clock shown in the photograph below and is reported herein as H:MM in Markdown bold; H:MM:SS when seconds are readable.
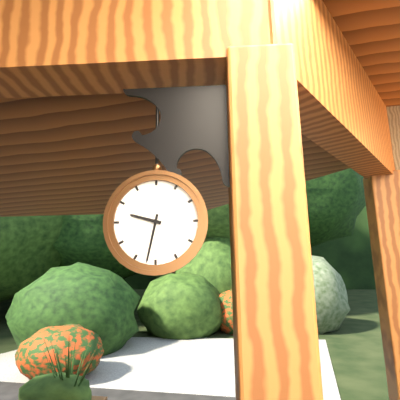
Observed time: **9:32**
